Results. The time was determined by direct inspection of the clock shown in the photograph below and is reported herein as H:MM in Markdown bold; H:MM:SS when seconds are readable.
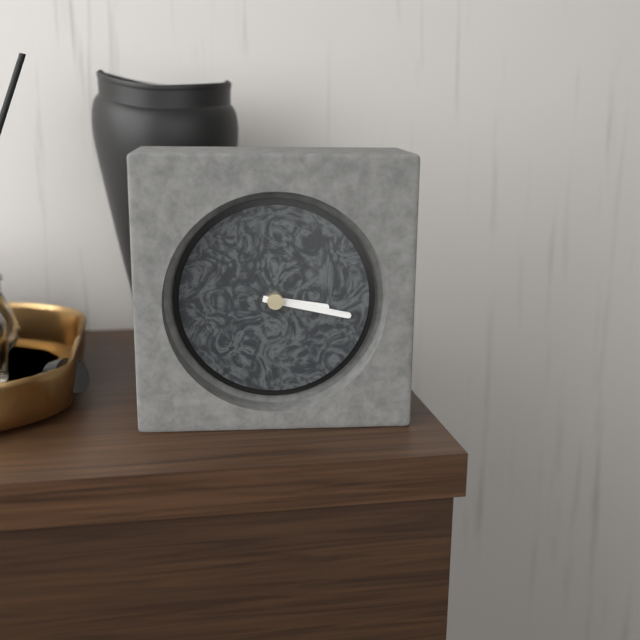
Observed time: **3:17**
